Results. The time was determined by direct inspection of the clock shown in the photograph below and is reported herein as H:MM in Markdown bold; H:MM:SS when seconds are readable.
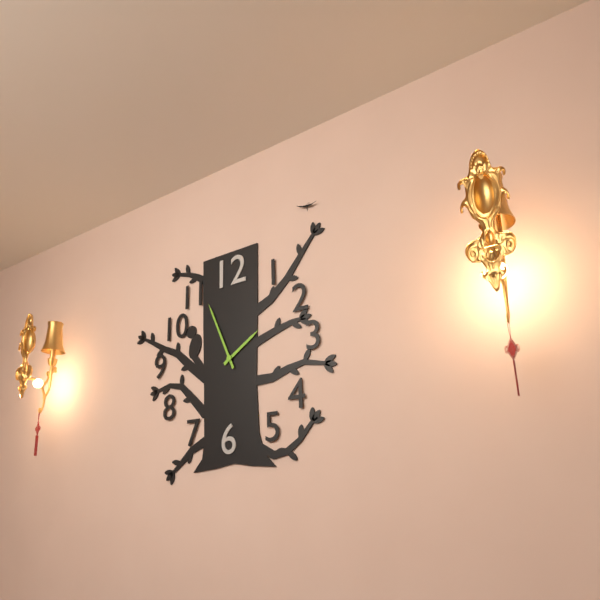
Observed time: **1:56**
